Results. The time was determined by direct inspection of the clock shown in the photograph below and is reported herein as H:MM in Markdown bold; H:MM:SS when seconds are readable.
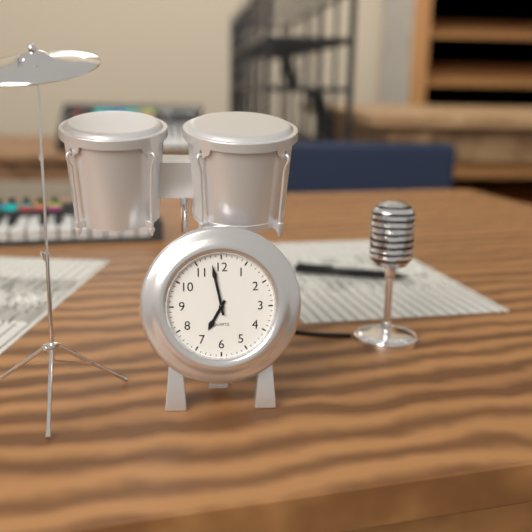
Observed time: **6:58**
